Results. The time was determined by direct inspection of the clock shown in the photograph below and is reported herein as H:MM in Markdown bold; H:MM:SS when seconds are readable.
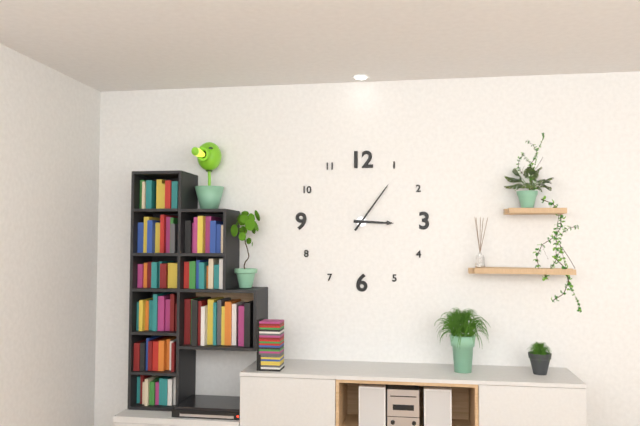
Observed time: **3:06**
